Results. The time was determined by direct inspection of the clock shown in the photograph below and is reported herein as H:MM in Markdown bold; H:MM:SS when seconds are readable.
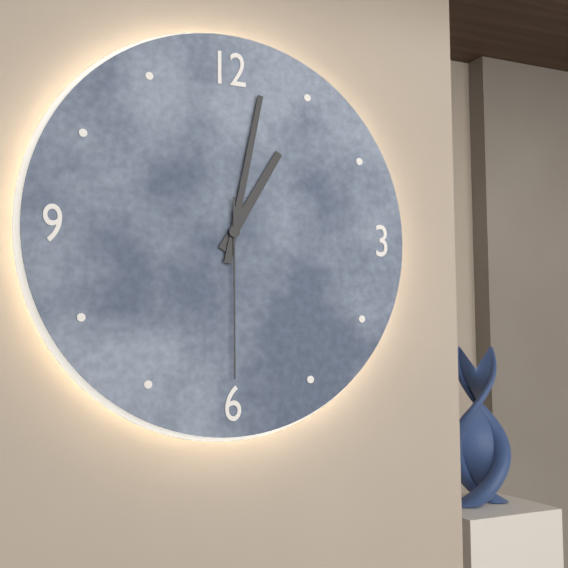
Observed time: **1:02:30**
